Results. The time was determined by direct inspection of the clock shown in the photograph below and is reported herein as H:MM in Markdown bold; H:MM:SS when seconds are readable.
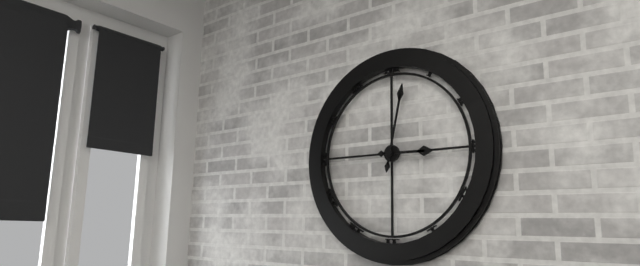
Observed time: **3:02**
